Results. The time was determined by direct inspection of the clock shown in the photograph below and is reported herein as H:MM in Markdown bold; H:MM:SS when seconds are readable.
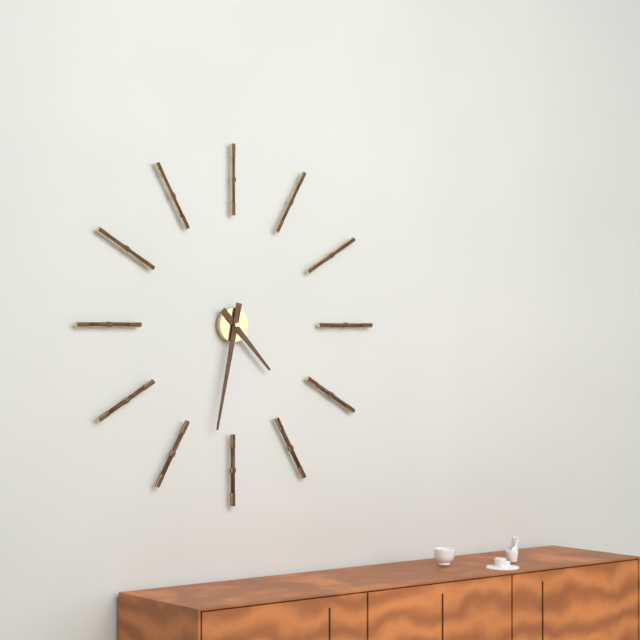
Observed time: **4:32**
